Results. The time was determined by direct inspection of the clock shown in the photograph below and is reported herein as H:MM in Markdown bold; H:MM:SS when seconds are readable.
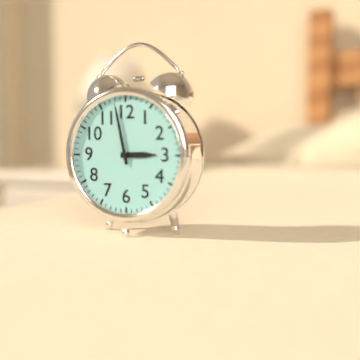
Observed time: **2:58**
